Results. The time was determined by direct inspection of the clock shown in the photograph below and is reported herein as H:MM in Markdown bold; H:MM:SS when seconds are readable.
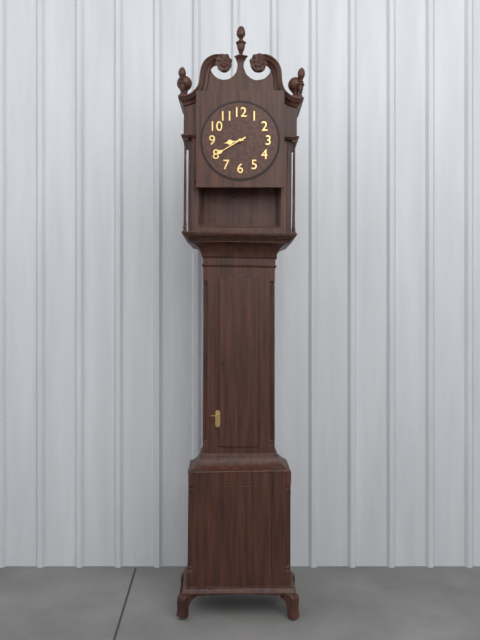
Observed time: **8:40**
